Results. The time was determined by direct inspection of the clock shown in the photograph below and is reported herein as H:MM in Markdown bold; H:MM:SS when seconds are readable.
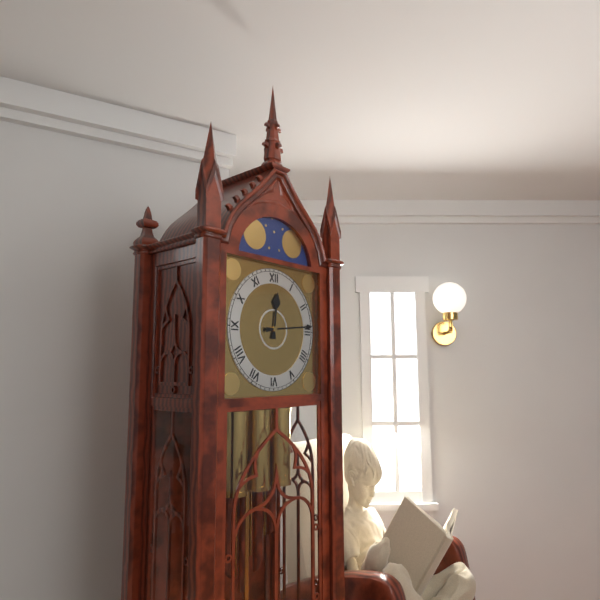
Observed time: **12:14**
